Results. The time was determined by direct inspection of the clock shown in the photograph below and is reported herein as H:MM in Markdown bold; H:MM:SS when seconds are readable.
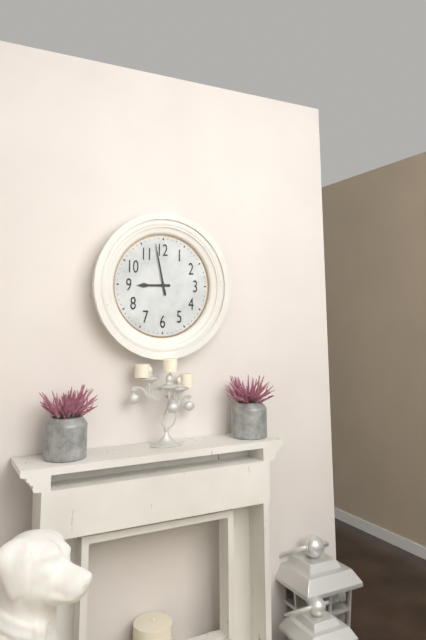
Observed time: **8:58**
